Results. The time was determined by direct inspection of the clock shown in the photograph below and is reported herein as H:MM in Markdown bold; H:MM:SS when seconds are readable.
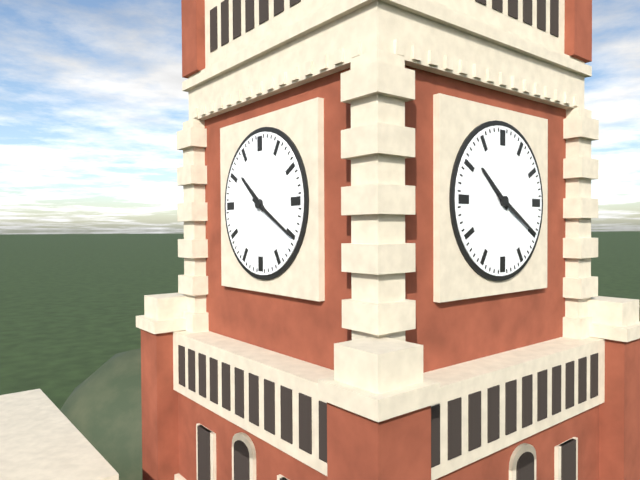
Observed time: **10:20**
